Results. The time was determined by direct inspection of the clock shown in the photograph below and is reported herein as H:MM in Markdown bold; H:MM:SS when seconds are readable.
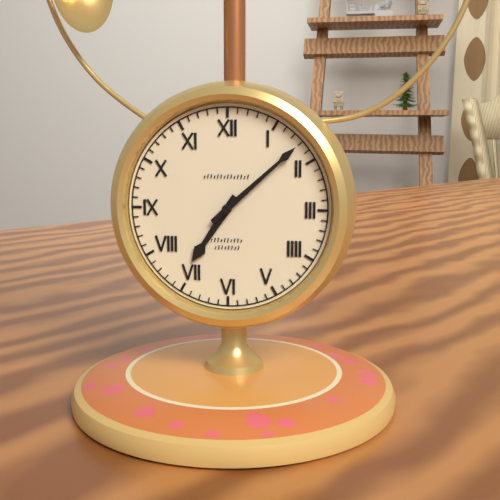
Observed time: **7:08**
